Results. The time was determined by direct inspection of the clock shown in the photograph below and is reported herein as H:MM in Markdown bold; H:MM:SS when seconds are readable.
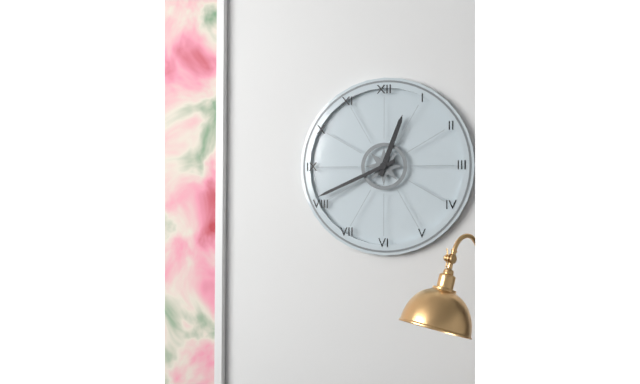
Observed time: **12:41**
